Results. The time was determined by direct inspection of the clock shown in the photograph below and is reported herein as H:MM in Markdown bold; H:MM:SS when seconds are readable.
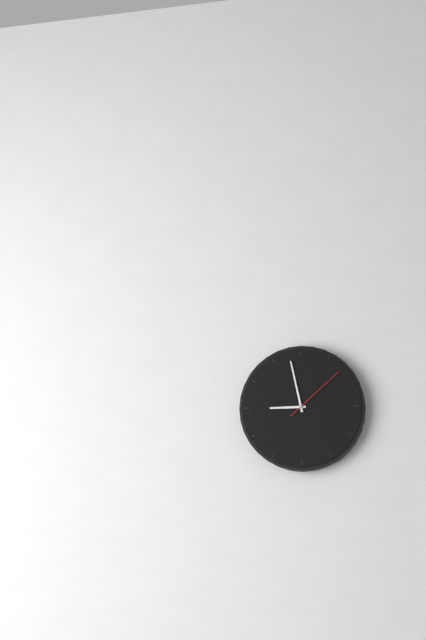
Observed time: **8:58:08**
